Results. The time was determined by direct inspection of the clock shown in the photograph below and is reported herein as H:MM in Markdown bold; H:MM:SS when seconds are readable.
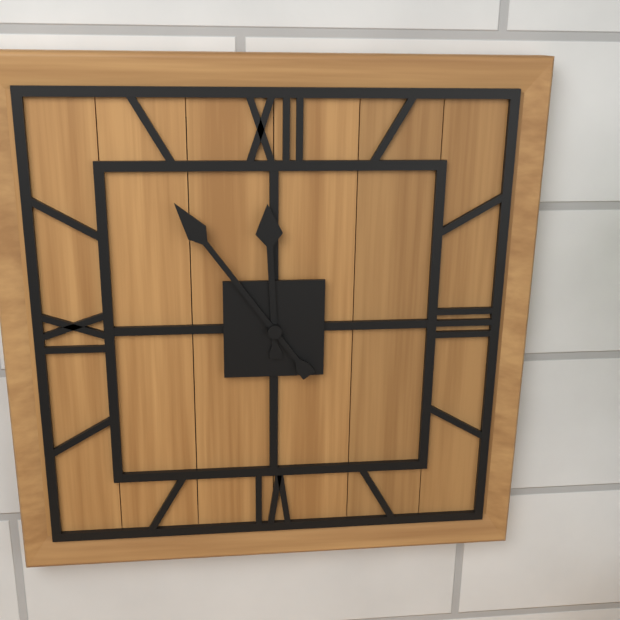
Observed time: **11:54**
